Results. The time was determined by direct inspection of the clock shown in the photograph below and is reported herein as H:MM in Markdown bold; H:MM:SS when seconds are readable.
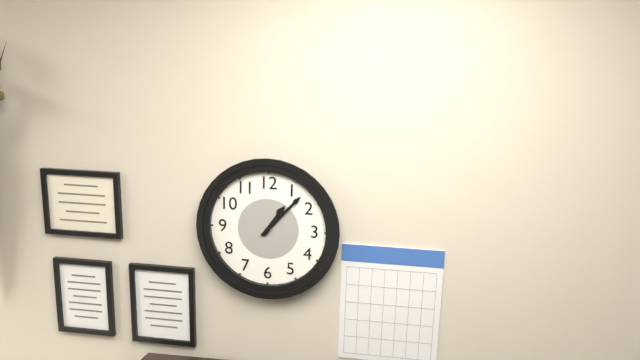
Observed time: **1:07**
